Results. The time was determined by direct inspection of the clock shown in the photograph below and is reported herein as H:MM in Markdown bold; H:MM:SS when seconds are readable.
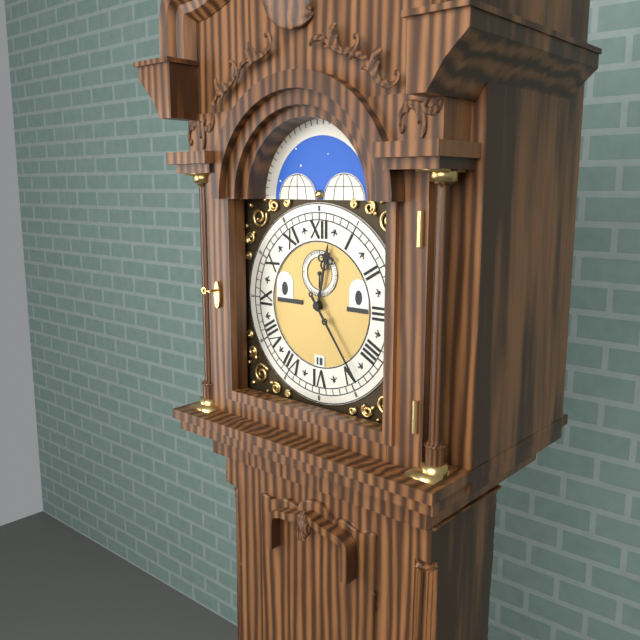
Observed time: **12:24**
